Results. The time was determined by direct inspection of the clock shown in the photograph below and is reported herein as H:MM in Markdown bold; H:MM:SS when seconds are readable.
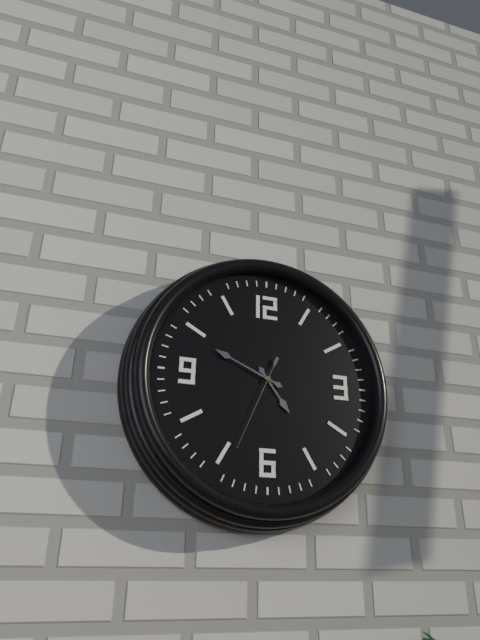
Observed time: **4:49:34**
